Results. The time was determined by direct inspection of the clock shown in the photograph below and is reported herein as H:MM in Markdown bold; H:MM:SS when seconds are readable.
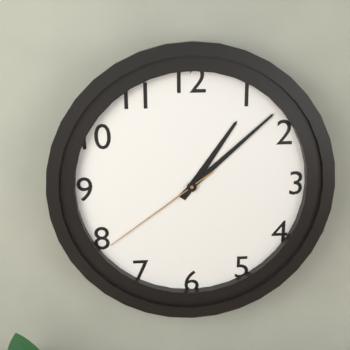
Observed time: **1:08:39**
